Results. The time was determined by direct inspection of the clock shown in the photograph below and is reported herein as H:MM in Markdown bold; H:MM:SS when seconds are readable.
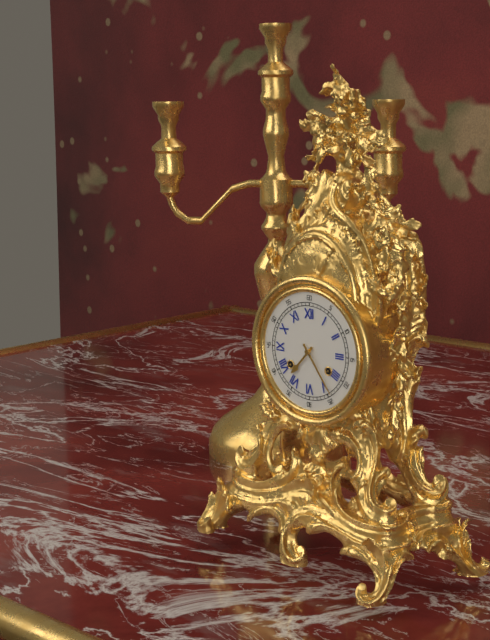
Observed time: **7:24**
